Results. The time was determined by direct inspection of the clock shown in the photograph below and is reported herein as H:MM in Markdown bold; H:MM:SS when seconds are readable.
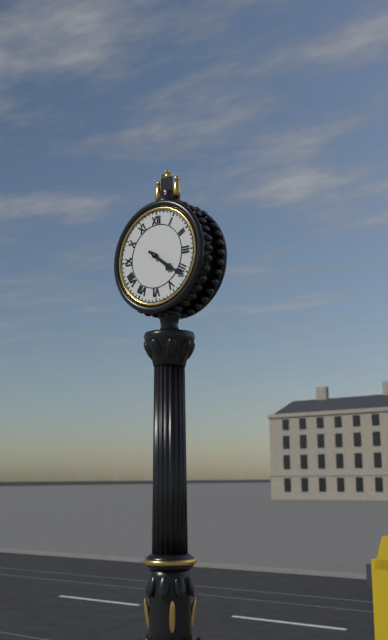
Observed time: **4:21**
